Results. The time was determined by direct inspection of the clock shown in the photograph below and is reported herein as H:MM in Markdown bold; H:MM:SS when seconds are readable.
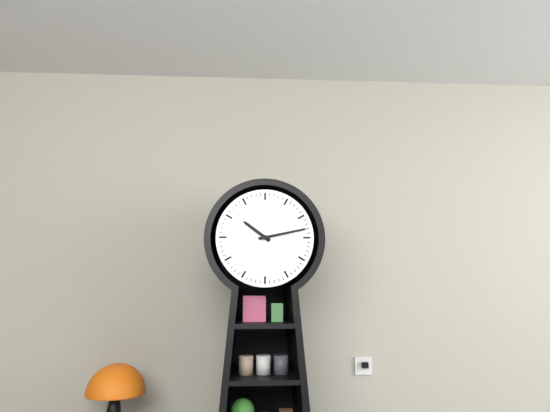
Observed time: **10:13**
